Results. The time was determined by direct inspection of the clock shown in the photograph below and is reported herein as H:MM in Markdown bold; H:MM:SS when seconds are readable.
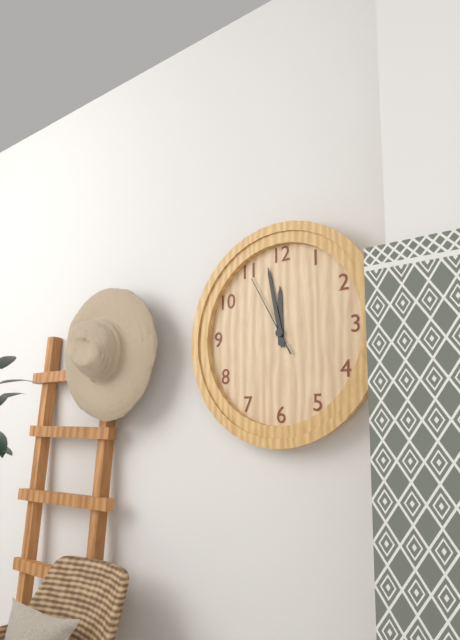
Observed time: **11:58:55**
